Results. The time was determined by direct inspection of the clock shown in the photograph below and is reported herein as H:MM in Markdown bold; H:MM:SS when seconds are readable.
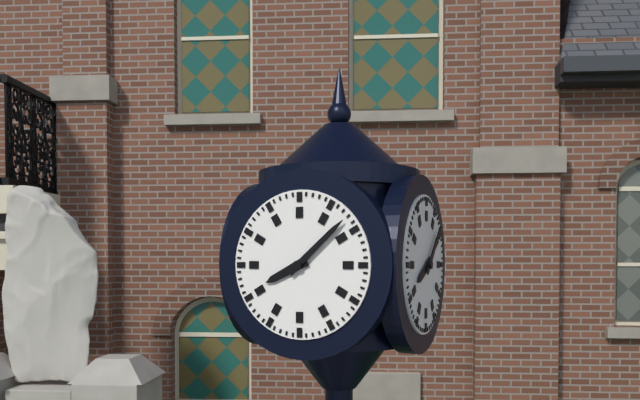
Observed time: **8:08**
